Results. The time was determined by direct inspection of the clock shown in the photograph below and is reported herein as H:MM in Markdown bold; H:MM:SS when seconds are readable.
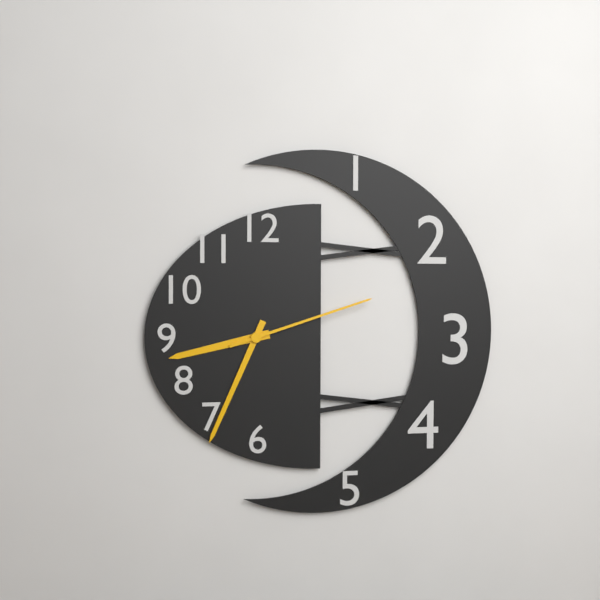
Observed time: **8:34:12**
